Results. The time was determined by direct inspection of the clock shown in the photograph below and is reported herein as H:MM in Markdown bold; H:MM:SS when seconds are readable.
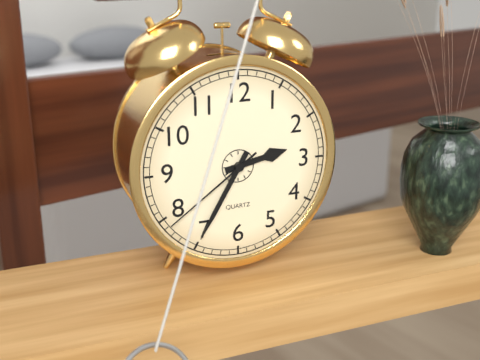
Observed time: **2:35:39**
